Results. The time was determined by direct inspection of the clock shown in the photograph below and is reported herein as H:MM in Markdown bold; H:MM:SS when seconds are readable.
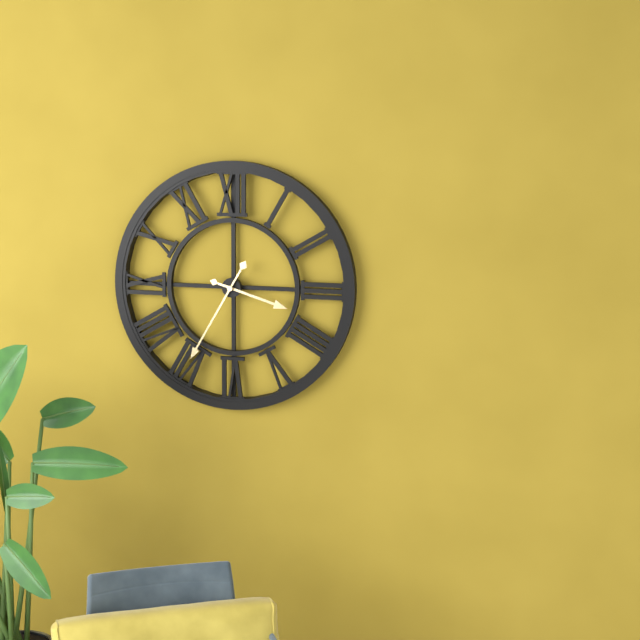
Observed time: **3:35**
